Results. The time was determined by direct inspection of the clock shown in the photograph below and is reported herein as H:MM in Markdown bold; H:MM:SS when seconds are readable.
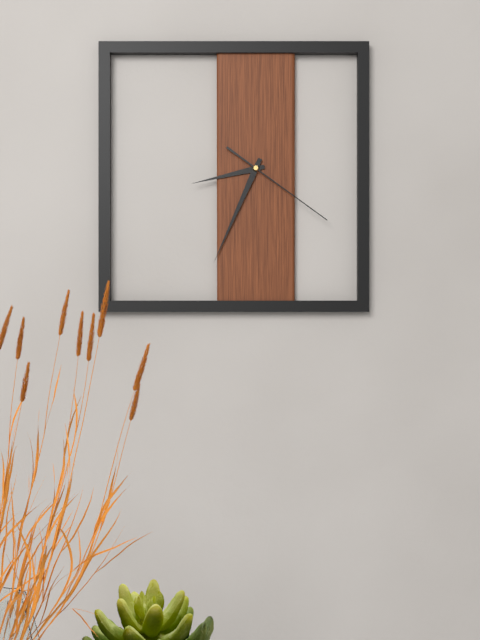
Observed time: **8:34:21**
